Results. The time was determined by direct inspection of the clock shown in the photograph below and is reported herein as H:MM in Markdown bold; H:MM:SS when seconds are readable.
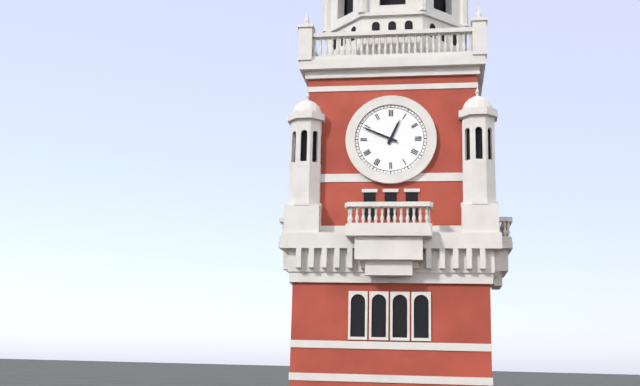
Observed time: **12:49**
